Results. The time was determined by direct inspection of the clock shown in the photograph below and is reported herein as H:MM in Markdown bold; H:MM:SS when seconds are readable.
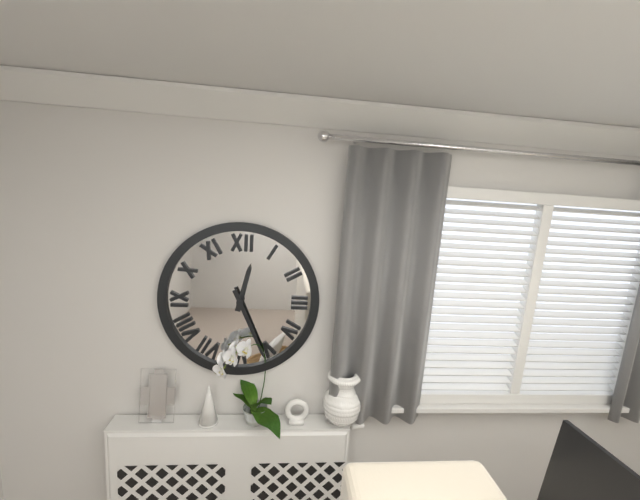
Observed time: **12:26**
